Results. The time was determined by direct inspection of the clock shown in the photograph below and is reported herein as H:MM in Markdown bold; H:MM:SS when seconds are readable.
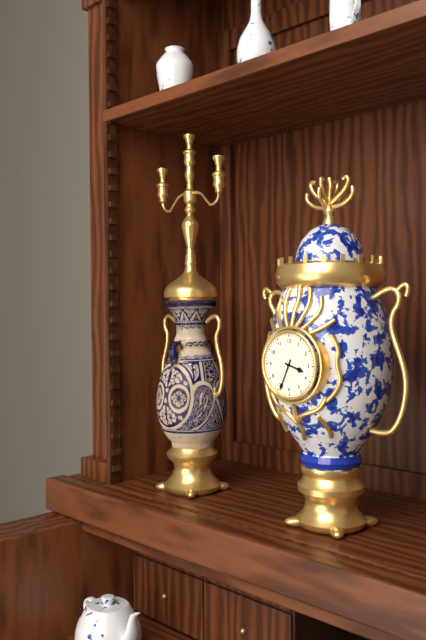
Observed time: **3:34**
